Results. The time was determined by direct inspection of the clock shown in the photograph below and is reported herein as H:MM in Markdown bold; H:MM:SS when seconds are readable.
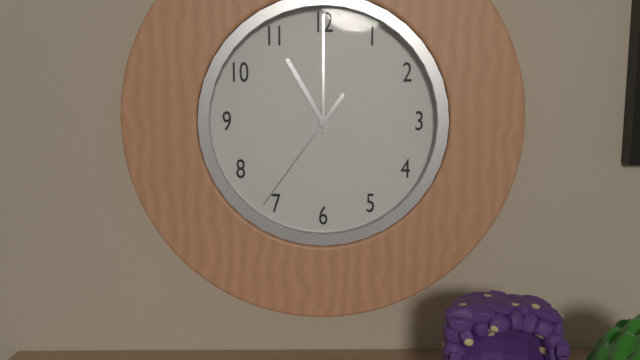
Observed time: **11:00:36**
